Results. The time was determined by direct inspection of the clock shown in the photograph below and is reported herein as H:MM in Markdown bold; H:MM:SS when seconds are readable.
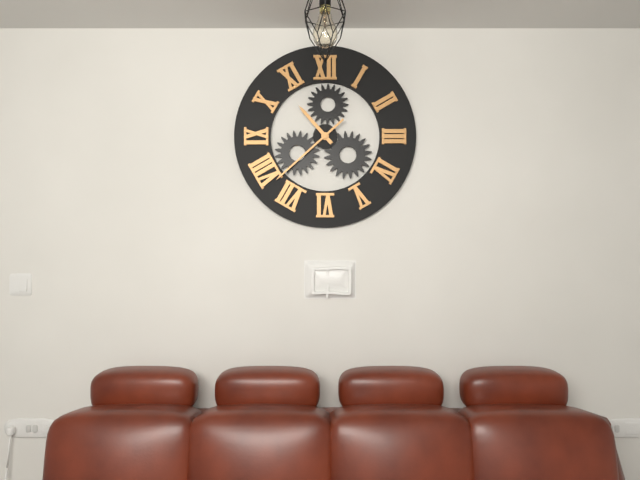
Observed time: **10:38**
